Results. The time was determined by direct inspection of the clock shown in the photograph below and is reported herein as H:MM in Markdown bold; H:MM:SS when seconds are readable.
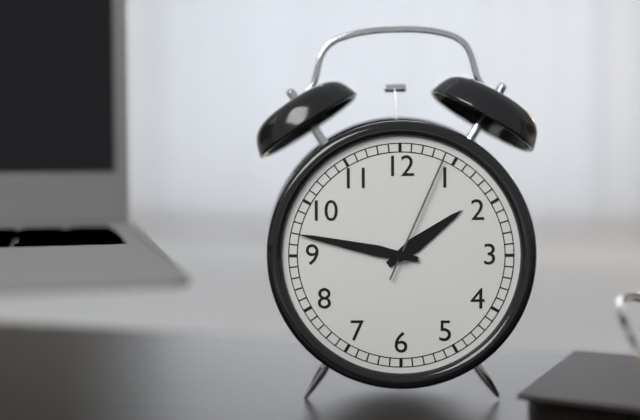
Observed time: **1:47:04**
